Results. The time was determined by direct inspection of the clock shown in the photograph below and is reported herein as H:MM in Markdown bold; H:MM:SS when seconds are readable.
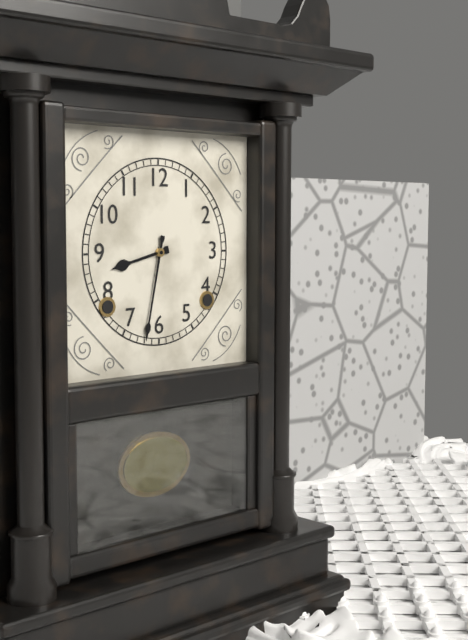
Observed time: **8:32**
